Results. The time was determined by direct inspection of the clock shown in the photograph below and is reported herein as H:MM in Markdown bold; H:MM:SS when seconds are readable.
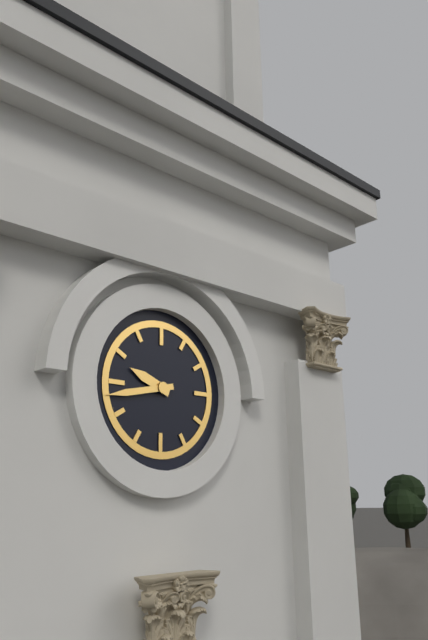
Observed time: **9:43**
